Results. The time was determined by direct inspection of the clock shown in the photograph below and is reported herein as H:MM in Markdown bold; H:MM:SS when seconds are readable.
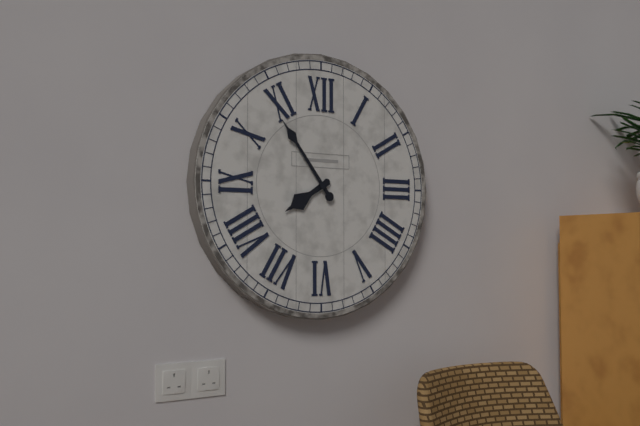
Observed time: **7:54**
